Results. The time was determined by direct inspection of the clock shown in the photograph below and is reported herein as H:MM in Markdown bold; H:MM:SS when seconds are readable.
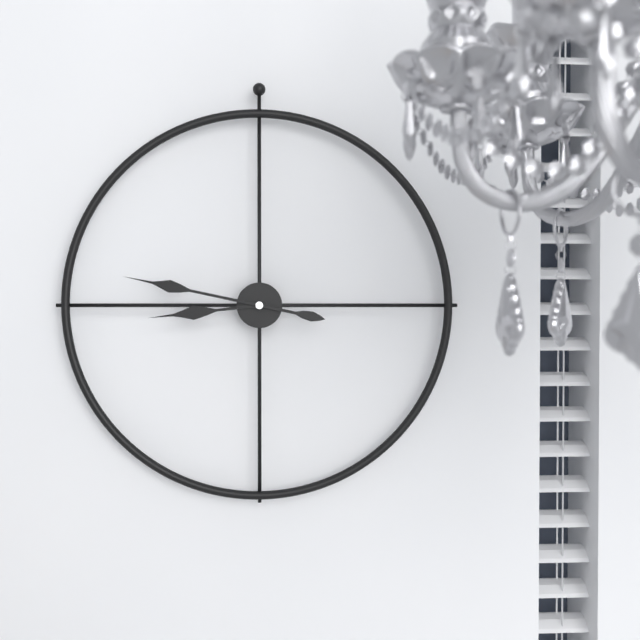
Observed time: **8:47**
